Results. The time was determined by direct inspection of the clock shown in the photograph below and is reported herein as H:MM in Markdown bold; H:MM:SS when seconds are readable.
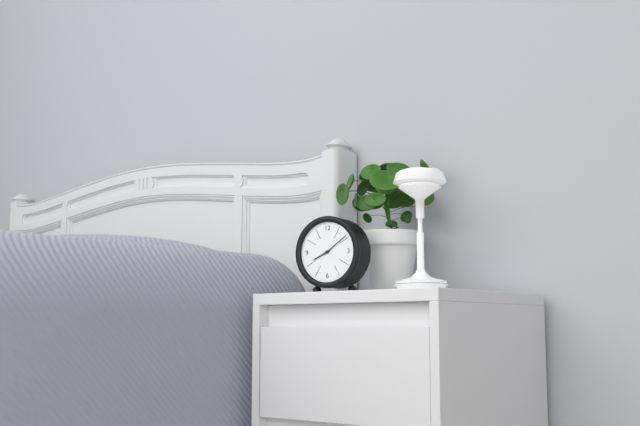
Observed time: **8:09**
